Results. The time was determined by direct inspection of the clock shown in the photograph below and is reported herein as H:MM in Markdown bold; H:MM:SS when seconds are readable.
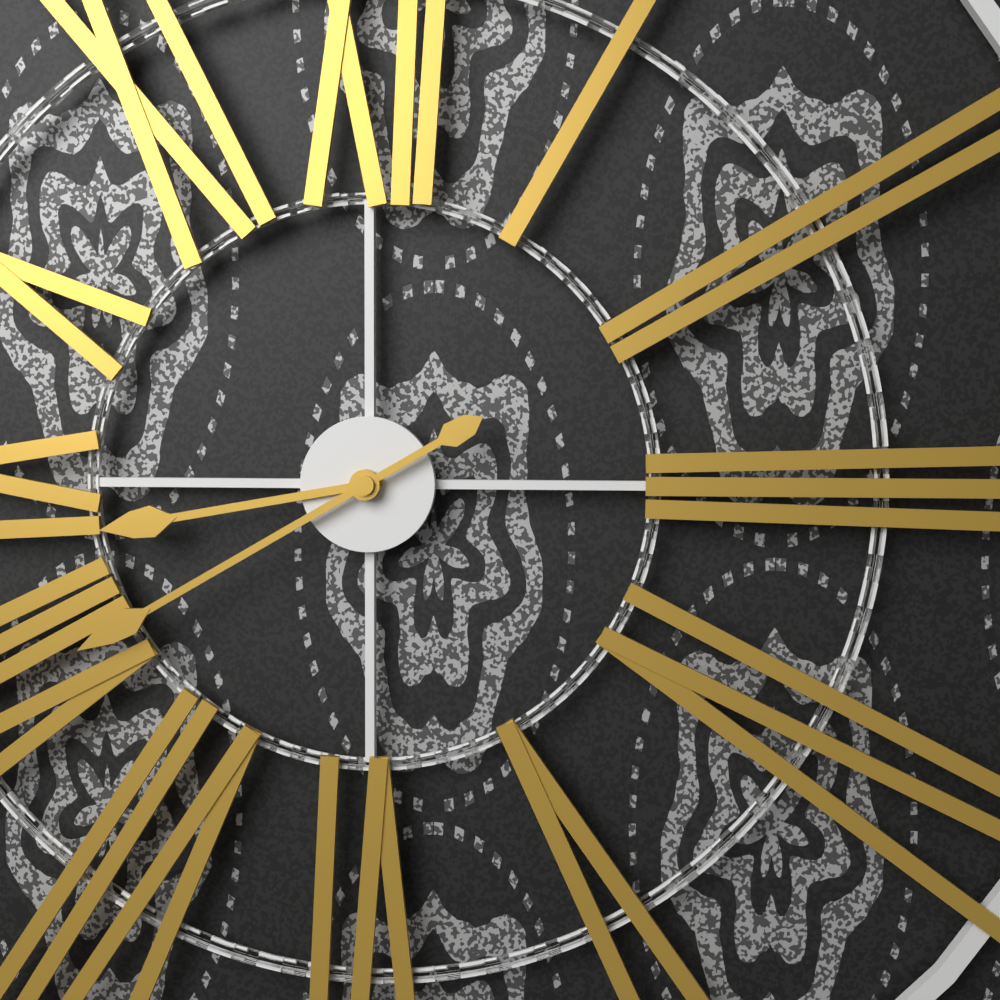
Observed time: **8:40**
